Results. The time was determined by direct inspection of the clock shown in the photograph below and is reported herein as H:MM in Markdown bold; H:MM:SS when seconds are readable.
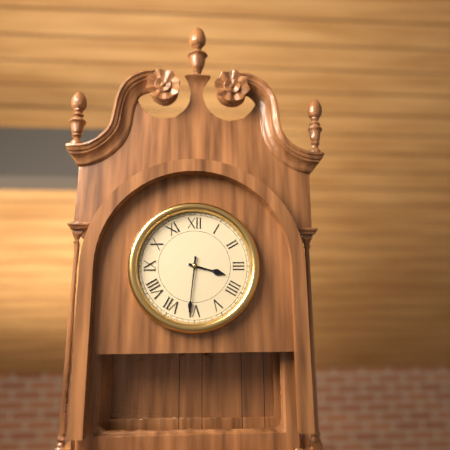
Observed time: **3:31**
